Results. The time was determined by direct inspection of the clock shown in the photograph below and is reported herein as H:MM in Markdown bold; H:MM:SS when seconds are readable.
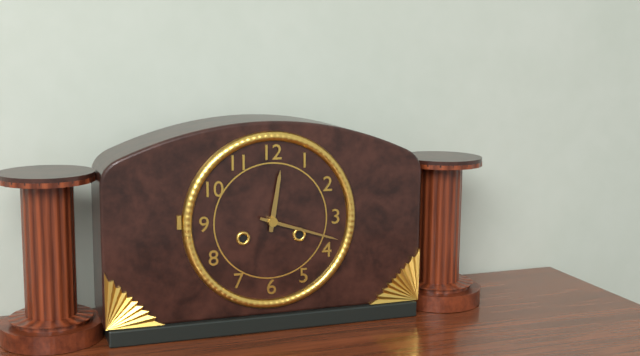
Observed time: **12:18**
